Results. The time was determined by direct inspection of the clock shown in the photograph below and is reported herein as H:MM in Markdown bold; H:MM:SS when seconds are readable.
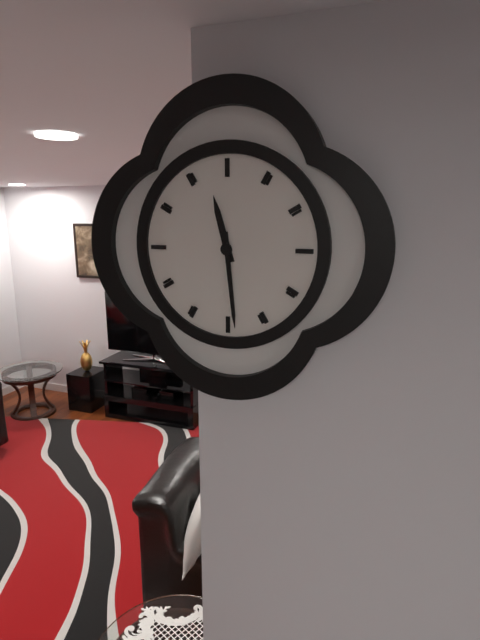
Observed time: **11:29**
